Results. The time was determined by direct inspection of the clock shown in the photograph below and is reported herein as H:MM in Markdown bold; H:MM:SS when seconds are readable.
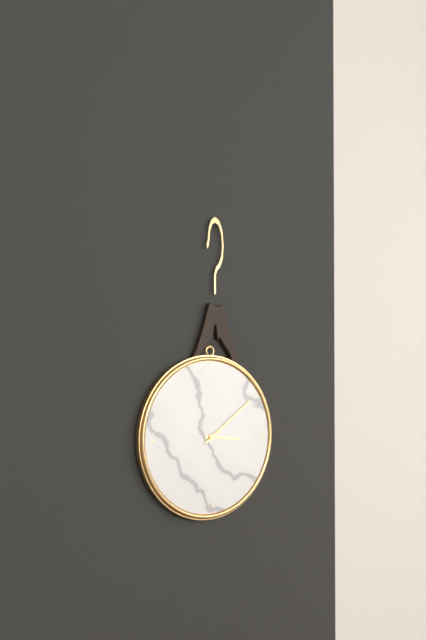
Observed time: **3:09**
